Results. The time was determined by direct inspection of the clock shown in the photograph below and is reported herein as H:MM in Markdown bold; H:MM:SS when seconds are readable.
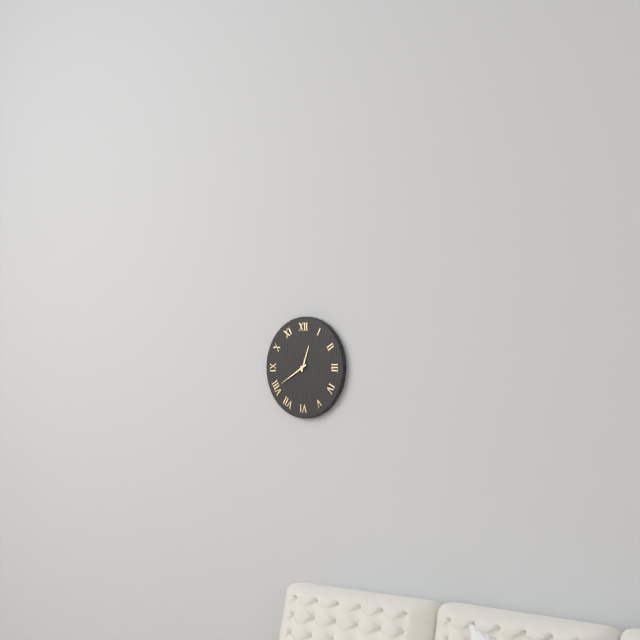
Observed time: **12:40**
